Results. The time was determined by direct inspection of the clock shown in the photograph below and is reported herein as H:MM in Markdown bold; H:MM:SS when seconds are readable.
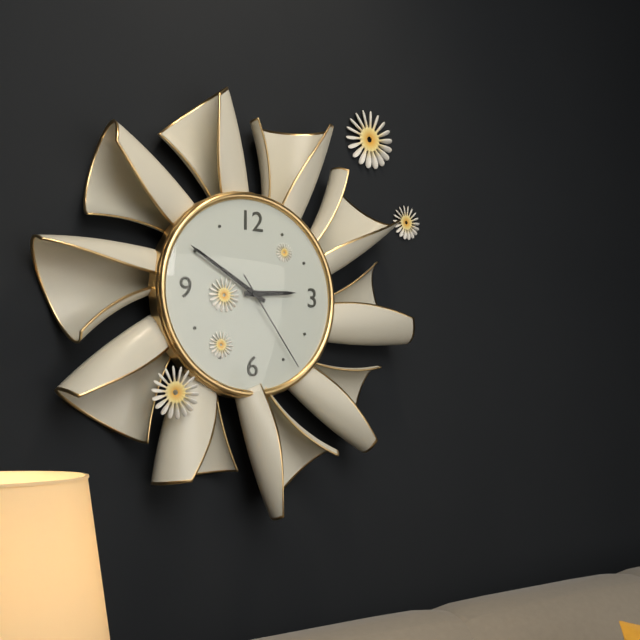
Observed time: **2:50:24**
